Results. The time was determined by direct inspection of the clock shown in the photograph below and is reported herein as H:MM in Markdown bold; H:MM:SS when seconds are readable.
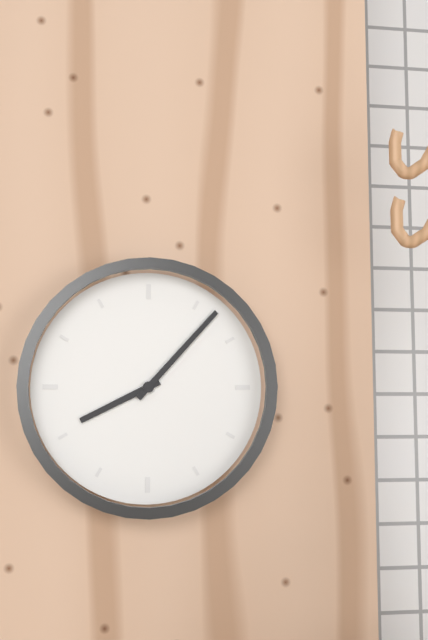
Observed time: **8:07**
